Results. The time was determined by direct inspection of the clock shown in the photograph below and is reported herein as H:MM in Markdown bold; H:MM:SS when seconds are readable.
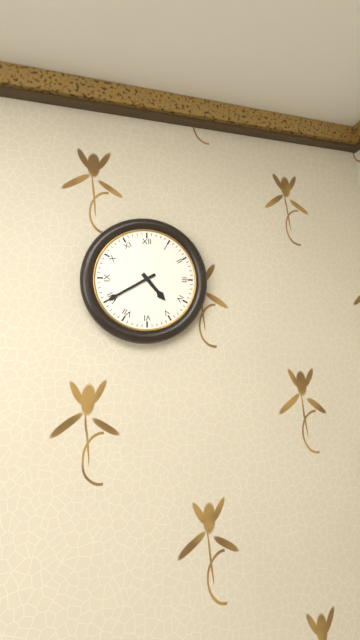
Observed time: **4:40**
